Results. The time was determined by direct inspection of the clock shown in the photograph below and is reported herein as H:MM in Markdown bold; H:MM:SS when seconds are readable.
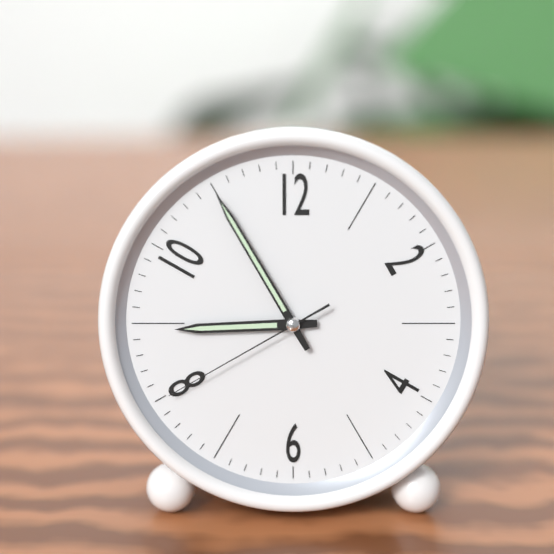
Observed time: **8:55:40**
